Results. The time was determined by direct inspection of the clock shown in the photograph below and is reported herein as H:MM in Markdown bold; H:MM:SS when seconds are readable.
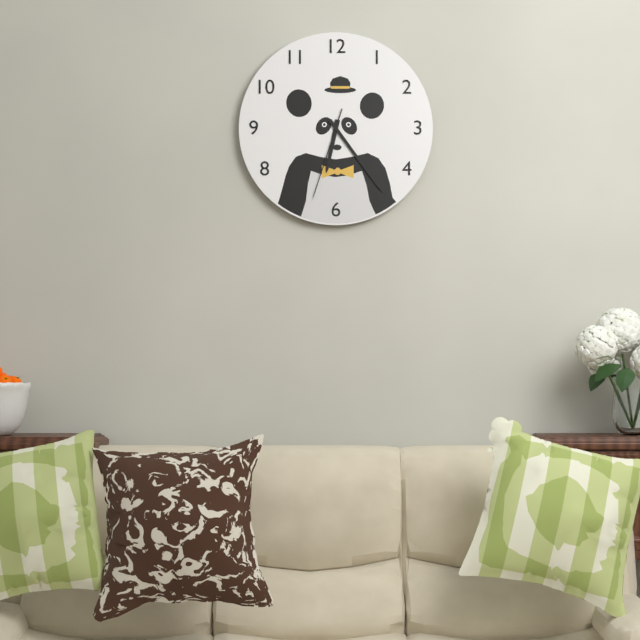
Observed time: **6:24:33**
